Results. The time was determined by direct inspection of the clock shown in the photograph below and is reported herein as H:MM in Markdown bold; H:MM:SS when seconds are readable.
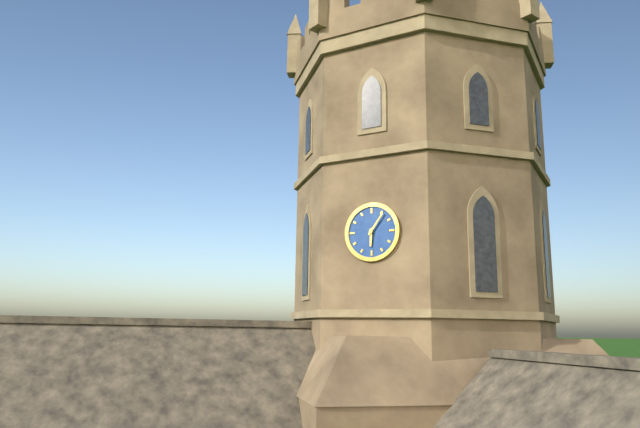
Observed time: **6:06**
